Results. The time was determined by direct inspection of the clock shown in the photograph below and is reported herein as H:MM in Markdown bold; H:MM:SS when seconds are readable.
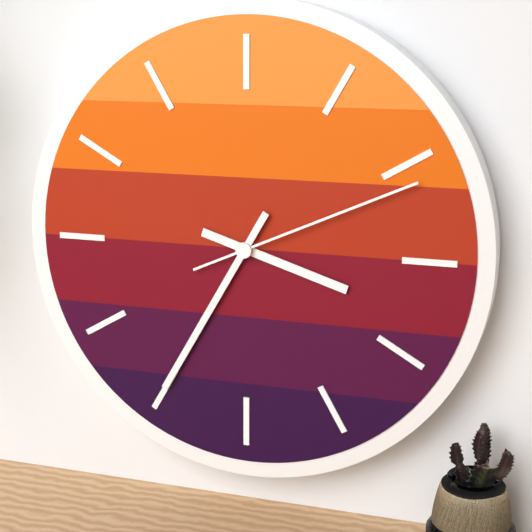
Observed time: **3:35:11**
